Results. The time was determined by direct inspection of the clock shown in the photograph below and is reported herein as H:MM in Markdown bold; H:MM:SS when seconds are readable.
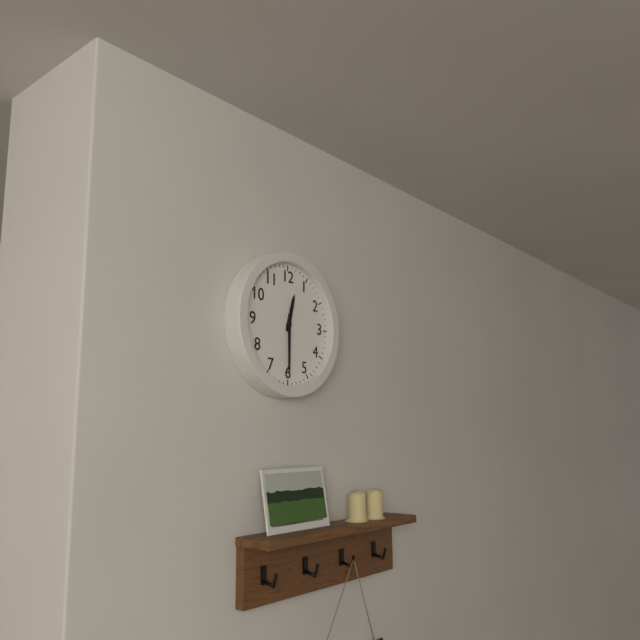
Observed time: **12:30**
